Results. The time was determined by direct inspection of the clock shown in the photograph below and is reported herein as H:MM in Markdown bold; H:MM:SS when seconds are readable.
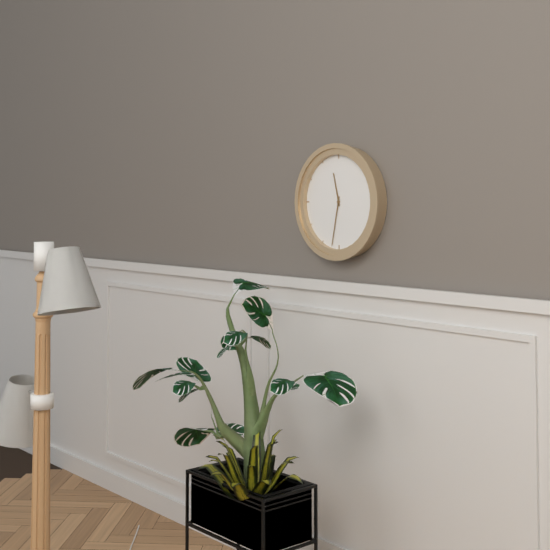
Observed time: **11:32**
